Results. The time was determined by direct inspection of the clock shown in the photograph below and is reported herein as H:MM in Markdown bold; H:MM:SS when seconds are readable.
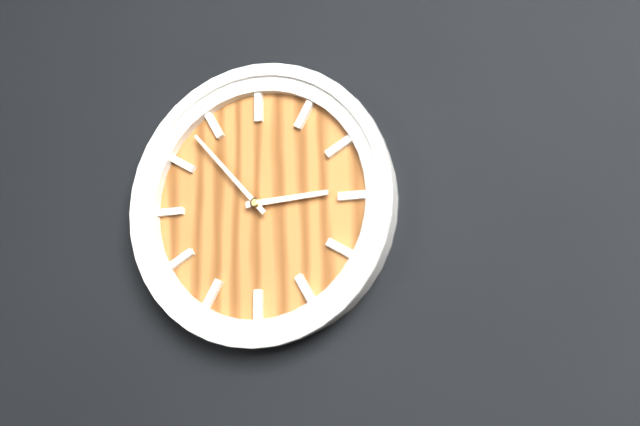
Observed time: **2:53**
